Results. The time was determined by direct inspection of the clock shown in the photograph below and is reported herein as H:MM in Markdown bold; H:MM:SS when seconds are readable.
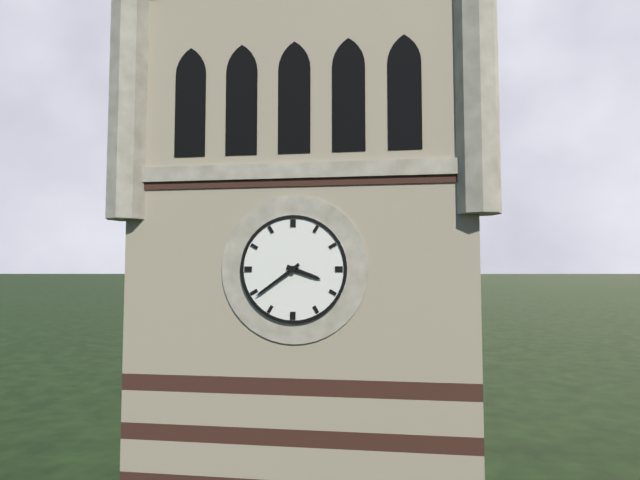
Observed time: **3:39**
